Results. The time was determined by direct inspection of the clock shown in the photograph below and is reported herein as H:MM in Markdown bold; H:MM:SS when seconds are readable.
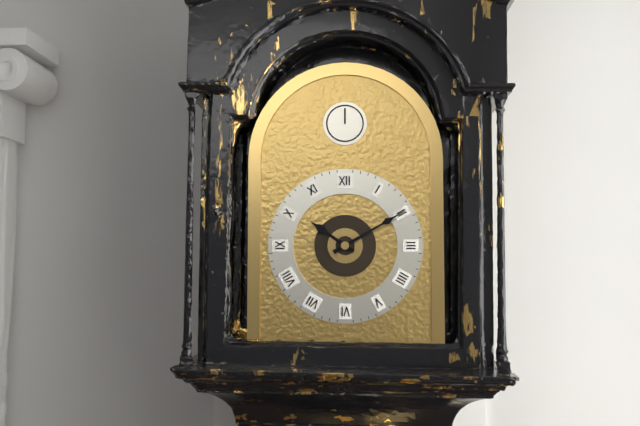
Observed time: **10:10**
